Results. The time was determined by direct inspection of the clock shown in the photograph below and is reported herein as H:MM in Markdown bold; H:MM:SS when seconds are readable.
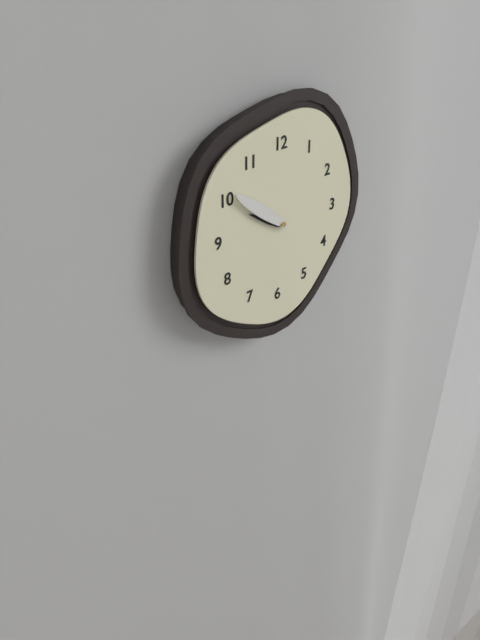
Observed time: **9:51**
